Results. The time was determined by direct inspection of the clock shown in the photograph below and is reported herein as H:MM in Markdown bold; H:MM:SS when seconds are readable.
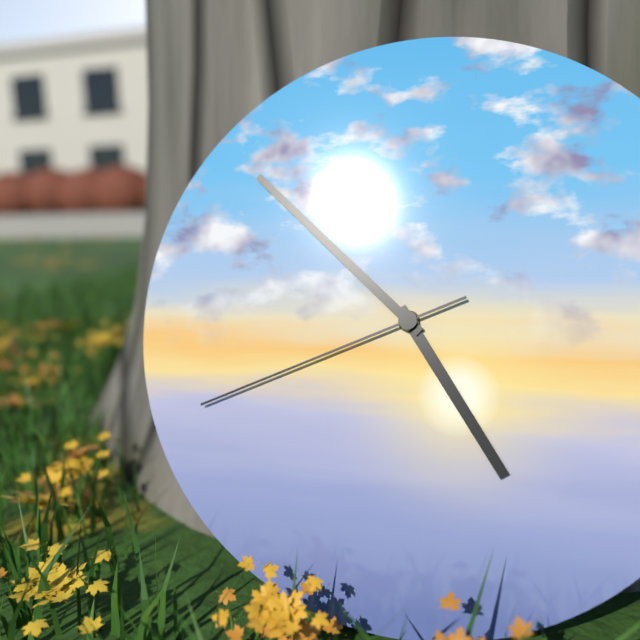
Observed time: **4:52:41**
